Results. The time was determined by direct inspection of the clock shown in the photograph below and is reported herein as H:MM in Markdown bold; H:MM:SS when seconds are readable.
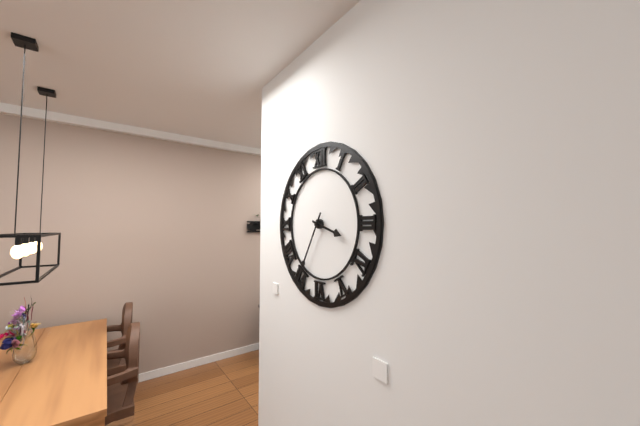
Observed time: **3:35**
